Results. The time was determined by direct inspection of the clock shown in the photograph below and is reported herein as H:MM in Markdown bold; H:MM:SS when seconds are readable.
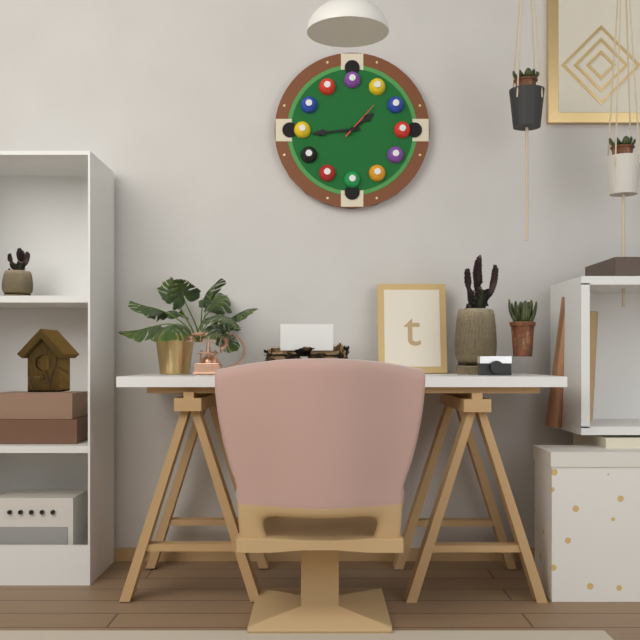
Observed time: **1:44**
